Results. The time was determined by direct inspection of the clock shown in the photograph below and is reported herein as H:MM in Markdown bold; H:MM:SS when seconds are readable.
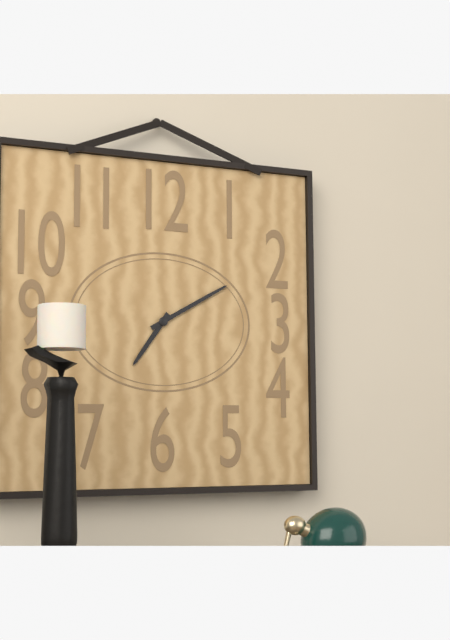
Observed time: **7:10**
